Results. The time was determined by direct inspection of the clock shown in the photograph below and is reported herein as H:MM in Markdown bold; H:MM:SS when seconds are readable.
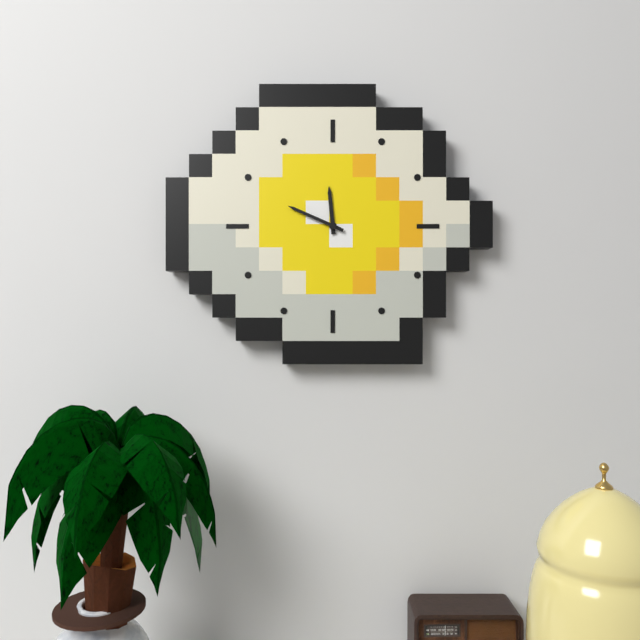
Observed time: **11:49**
